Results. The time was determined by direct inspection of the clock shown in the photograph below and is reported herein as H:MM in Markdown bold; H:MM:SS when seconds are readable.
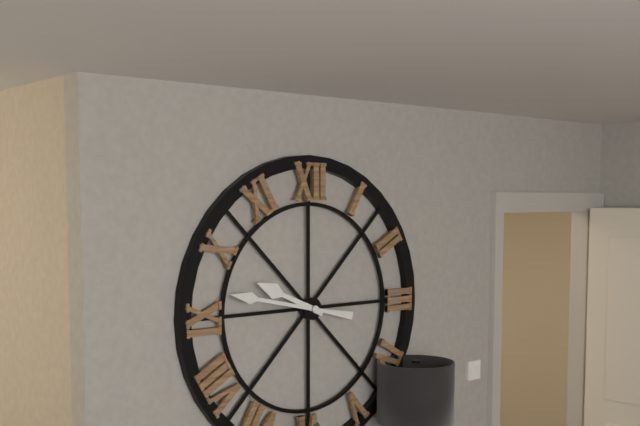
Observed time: **9:47**
